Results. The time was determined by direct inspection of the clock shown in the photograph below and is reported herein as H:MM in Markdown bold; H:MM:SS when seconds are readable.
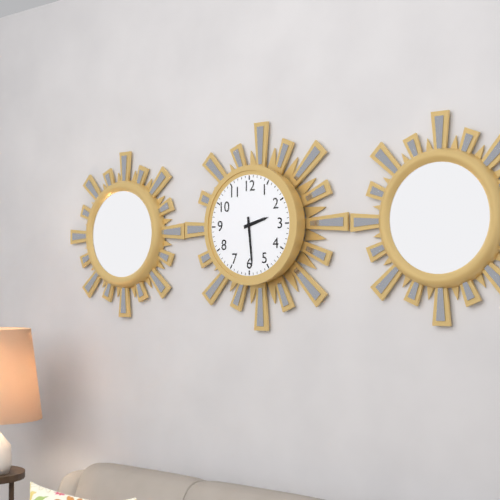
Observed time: **2:29**
